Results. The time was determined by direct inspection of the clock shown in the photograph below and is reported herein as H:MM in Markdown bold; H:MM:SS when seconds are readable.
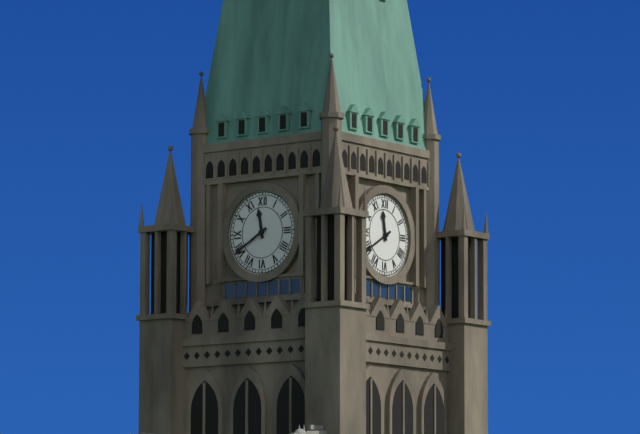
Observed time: **11:40**
